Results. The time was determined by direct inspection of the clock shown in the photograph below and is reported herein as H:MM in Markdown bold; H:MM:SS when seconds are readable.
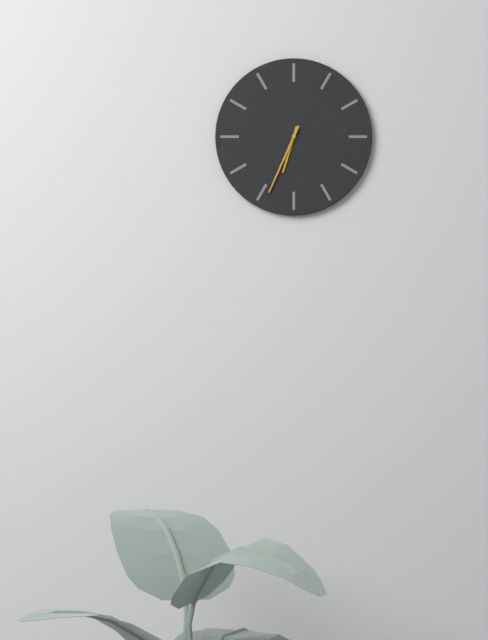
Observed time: **6:34**
